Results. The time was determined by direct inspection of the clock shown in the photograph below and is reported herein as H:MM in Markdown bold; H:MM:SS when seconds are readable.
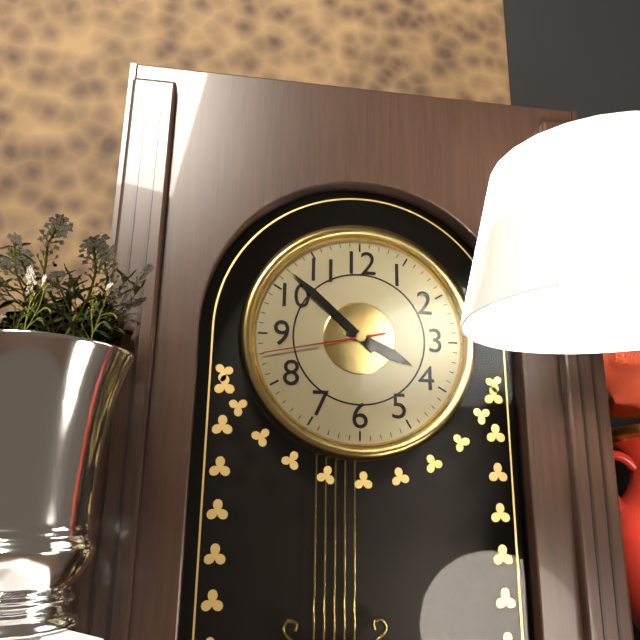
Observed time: **3:52:43**
